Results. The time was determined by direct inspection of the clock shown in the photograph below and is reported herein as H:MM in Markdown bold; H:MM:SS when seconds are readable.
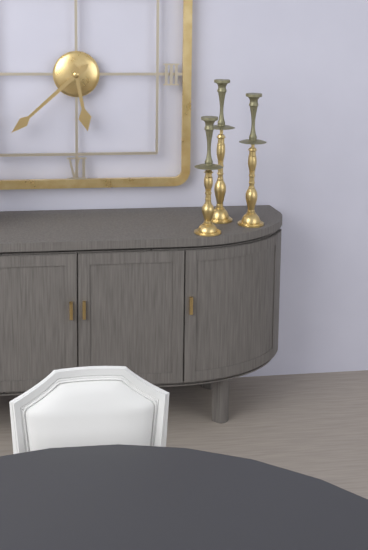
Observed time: **5:38**
